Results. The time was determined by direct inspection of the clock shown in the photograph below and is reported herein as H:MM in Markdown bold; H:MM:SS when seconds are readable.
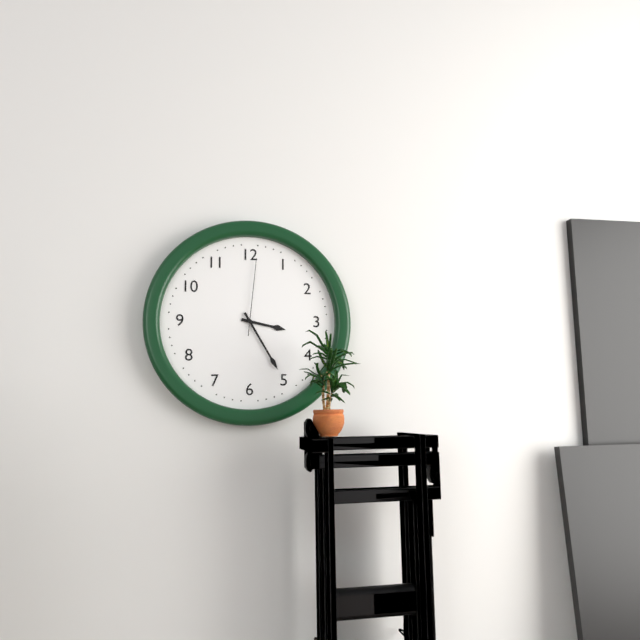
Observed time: **3:25:01**
